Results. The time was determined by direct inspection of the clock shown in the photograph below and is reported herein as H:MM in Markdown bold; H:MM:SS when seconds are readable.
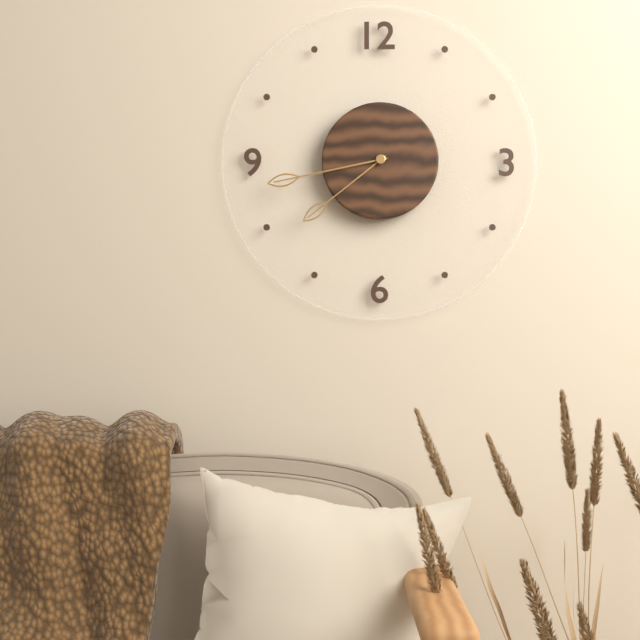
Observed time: **7:43**
